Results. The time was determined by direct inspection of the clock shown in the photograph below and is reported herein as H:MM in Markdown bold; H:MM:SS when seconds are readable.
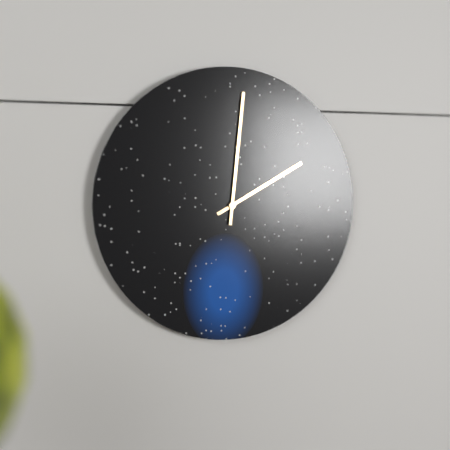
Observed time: **2:01**
